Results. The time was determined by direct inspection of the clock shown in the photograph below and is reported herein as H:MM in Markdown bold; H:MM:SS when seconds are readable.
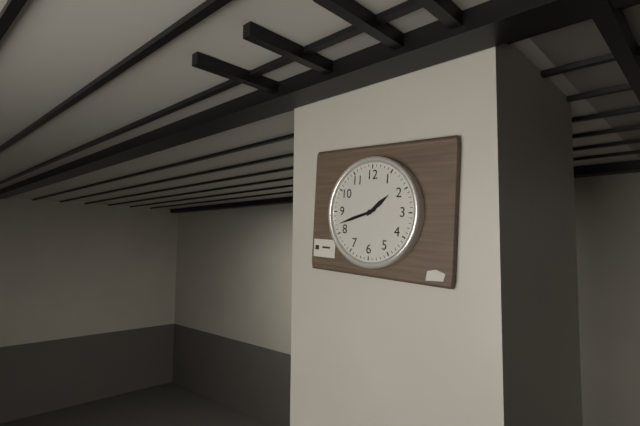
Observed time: **1:42**
